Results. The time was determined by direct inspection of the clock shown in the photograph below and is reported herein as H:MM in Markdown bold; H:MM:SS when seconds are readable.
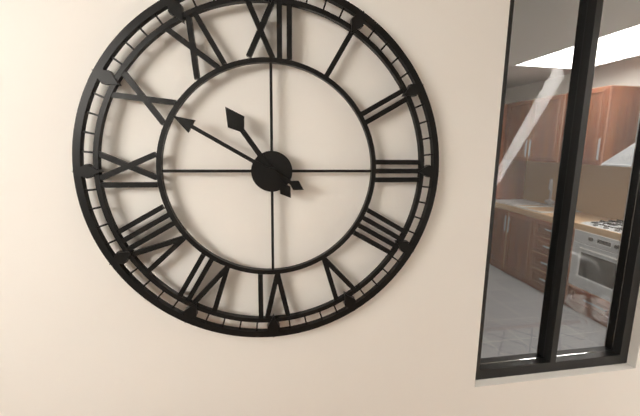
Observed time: **10:50**
